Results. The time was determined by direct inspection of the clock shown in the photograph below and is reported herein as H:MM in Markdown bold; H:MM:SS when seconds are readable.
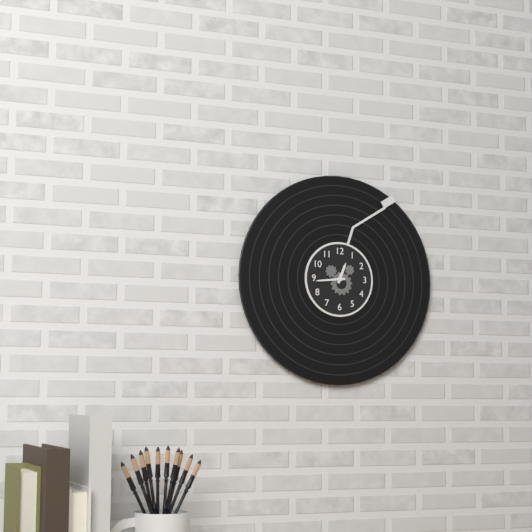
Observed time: **12:44**
